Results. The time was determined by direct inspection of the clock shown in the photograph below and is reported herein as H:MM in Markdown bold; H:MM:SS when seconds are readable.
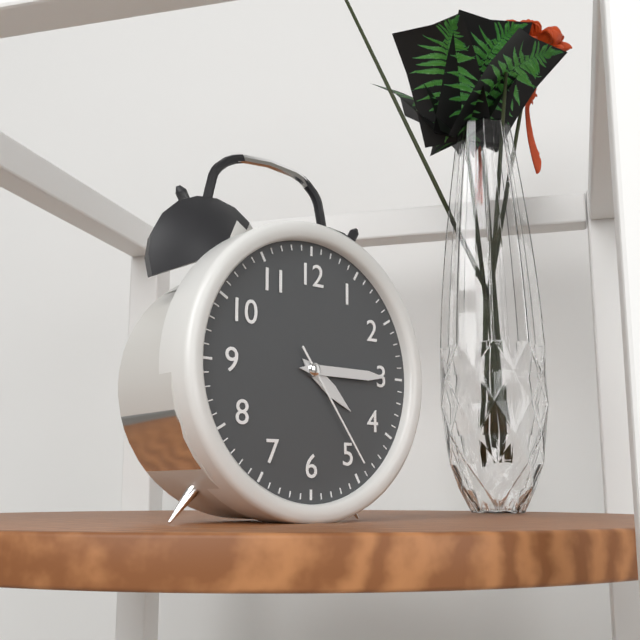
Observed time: **4:15:24**
